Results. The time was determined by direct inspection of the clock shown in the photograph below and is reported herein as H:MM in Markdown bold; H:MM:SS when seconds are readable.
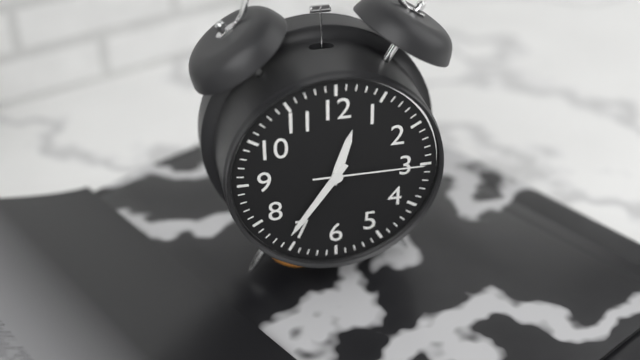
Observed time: **12:36:15**
